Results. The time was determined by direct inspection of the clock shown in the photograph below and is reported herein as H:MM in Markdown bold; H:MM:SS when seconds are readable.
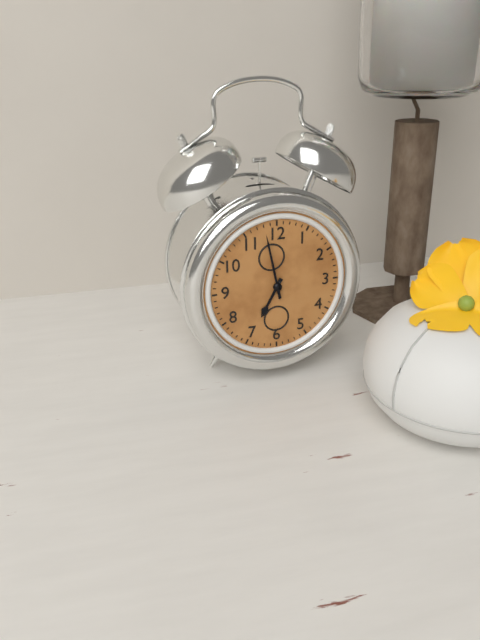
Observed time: **6:58**
